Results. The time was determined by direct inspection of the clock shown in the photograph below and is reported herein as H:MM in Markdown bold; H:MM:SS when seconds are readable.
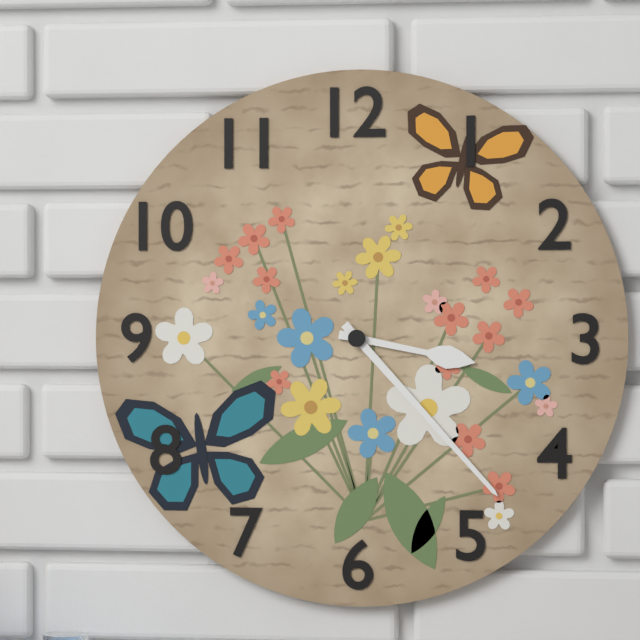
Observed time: **3:23**
